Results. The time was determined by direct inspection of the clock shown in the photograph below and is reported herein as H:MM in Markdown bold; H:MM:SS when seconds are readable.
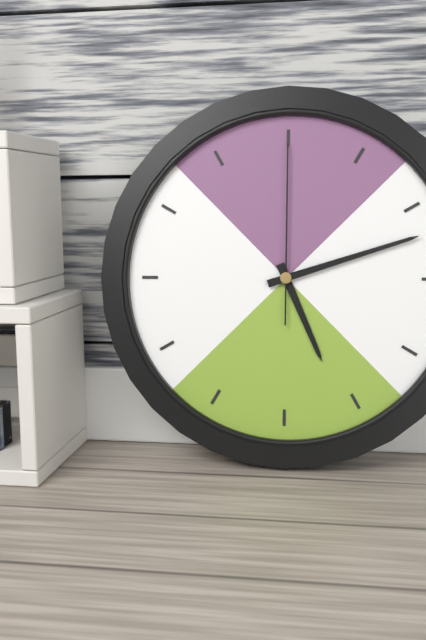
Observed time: **5:12:00**
